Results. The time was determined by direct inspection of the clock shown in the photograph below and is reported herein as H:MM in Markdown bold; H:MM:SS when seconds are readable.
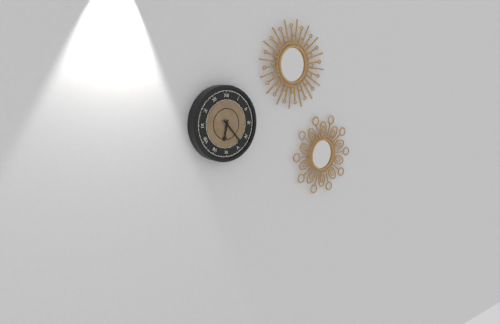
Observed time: **6:23**
